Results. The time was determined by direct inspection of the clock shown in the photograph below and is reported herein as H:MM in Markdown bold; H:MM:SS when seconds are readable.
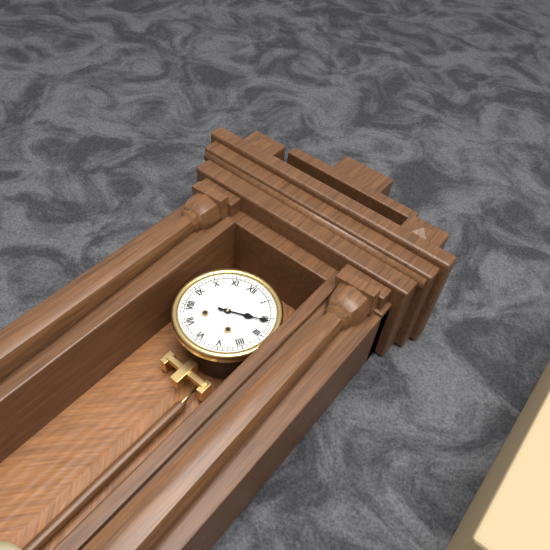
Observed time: **2:11**
